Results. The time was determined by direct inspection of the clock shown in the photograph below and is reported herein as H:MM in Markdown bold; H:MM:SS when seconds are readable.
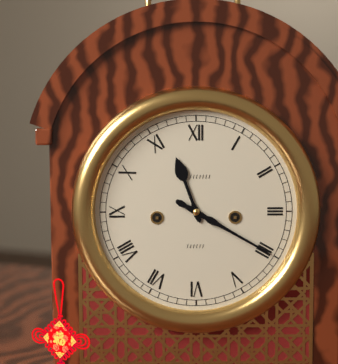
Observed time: **11:20**
